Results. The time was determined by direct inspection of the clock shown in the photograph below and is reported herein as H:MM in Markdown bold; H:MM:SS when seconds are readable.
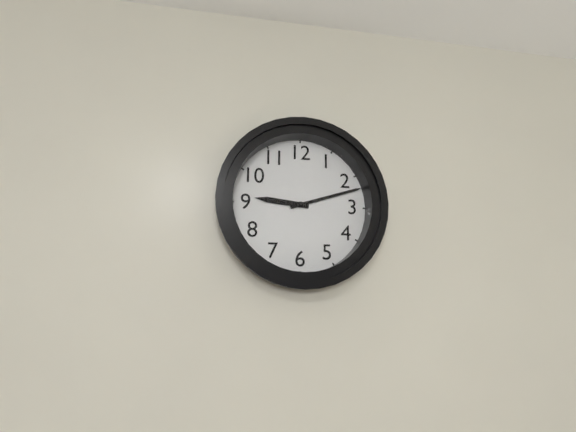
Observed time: **9:12**
